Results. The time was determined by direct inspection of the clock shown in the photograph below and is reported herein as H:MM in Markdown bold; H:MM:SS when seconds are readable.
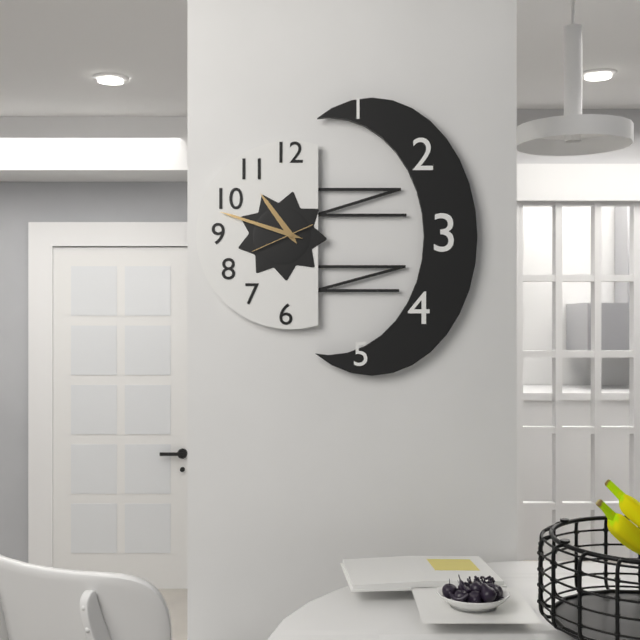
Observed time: **10:48:41**
